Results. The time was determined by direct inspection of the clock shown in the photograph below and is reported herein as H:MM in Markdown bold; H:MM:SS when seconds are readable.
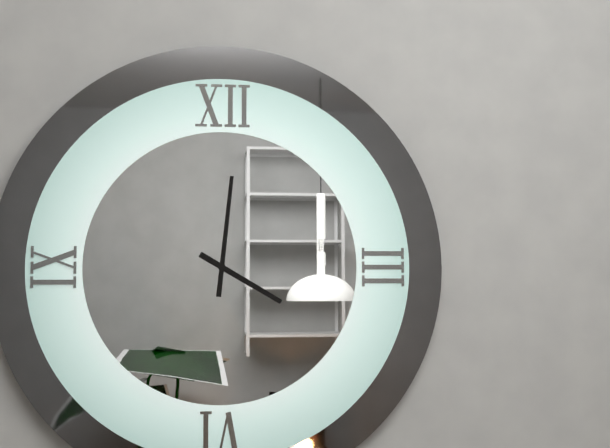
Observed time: **4:01**
